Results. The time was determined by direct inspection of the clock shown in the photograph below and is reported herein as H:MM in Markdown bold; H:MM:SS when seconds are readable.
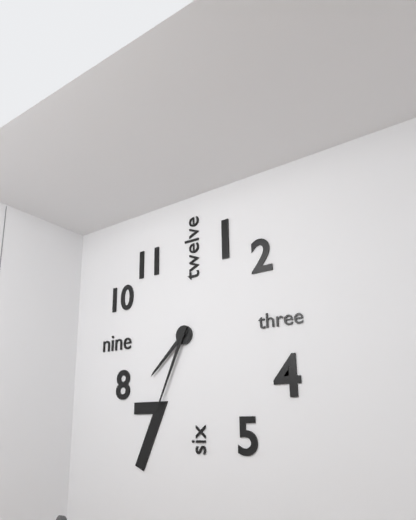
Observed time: **7:34**
